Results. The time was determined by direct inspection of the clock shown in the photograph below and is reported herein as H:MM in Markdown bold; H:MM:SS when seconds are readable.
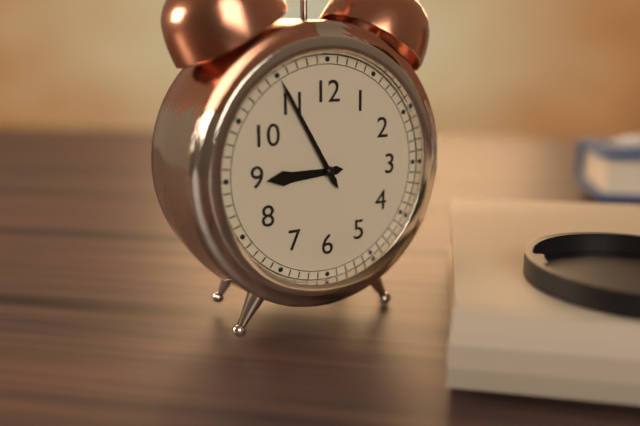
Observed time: **8:55**
